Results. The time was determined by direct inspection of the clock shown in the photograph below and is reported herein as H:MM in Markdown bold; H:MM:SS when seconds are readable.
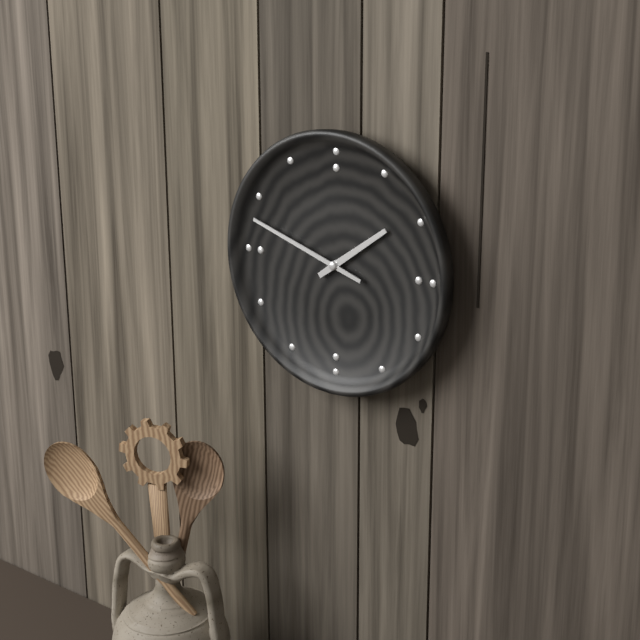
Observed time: **1:48**
